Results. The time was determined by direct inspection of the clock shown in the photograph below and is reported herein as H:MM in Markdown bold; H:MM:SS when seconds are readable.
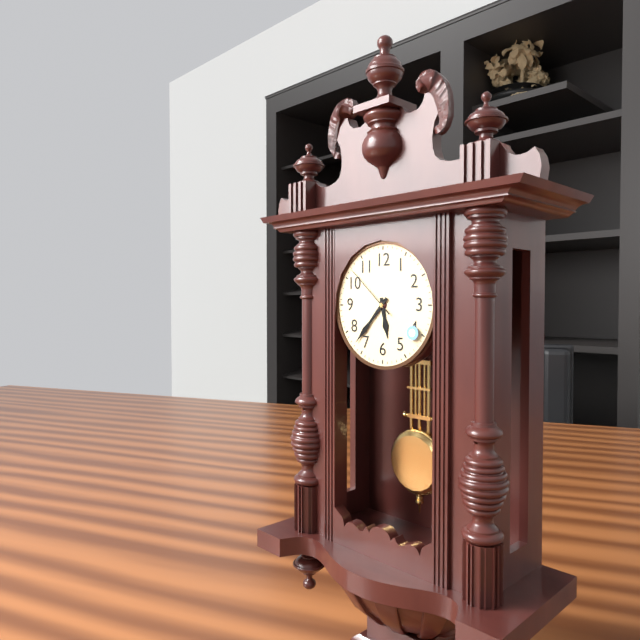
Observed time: **5:37:52**
